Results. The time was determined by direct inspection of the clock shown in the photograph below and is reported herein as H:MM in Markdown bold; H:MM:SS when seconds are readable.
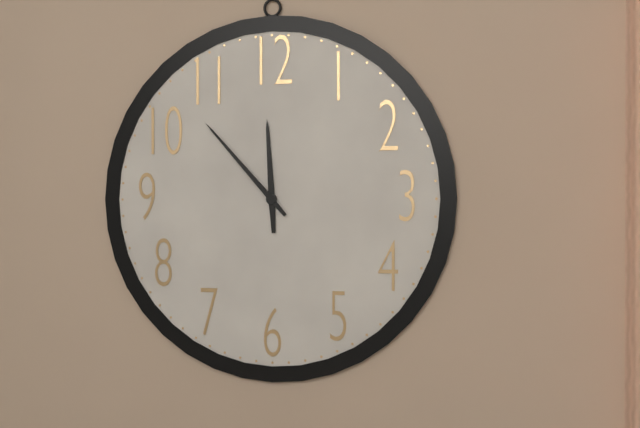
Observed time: **11:53**
